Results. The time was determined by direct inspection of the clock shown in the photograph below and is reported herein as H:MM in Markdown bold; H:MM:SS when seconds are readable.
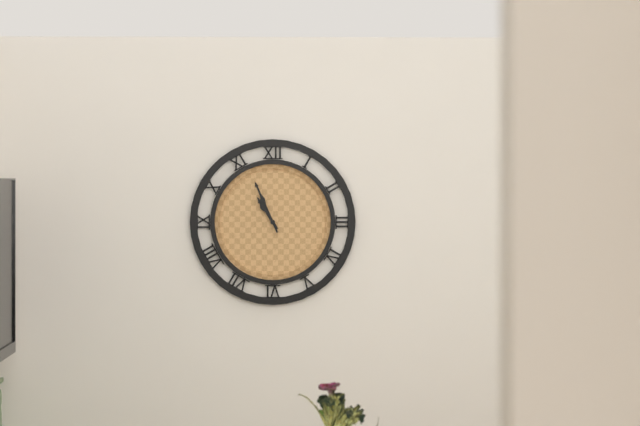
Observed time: **10:56**
